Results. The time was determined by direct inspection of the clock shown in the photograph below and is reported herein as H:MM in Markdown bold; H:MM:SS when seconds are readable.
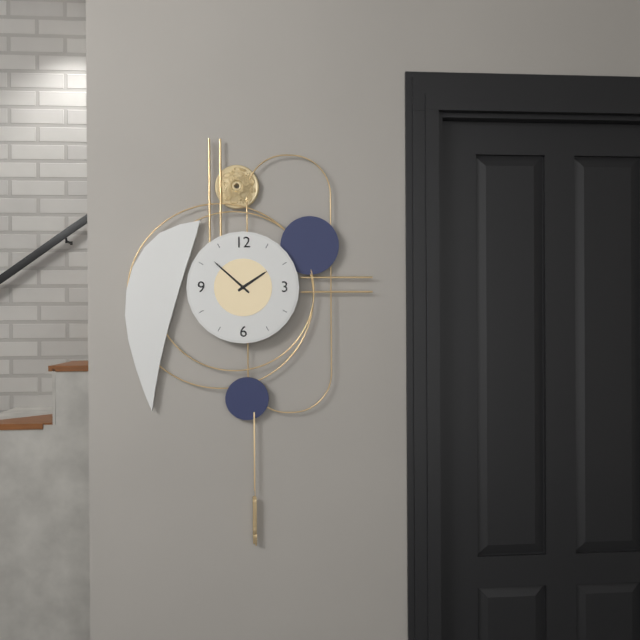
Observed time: **1:52**
